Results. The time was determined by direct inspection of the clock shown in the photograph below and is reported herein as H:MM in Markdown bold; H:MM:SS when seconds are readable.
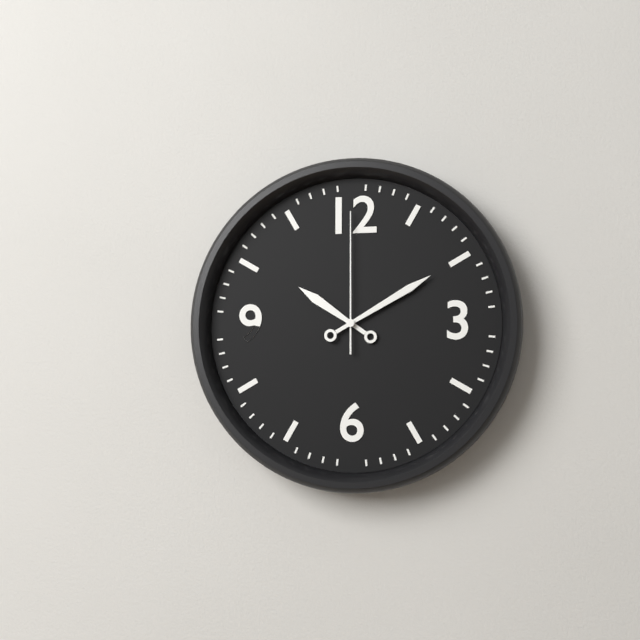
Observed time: **10:10:00**
